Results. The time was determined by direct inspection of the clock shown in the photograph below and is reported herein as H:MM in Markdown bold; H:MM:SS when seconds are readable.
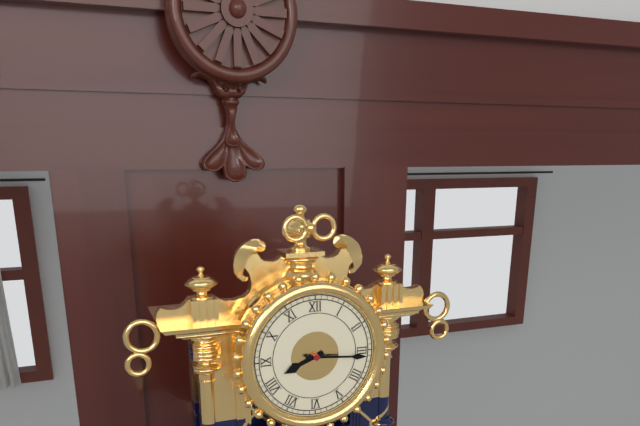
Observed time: **8:16**
